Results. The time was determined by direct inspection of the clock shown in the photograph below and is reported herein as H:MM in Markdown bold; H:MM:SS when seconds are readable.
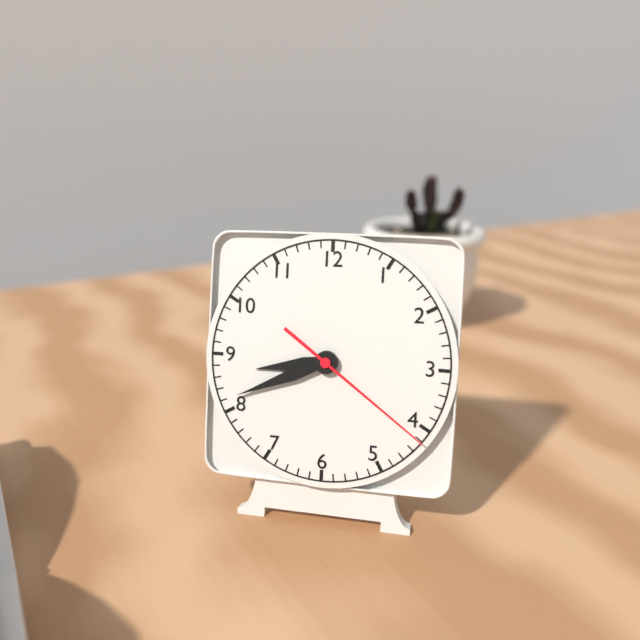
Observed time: **8:41:21**
